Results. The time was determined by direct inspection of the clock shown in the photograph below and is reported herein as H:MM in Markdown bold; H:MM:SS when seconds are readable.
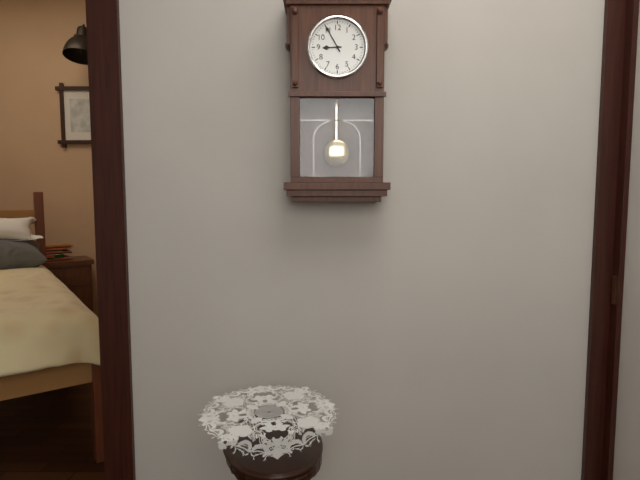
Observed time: **8:55**
